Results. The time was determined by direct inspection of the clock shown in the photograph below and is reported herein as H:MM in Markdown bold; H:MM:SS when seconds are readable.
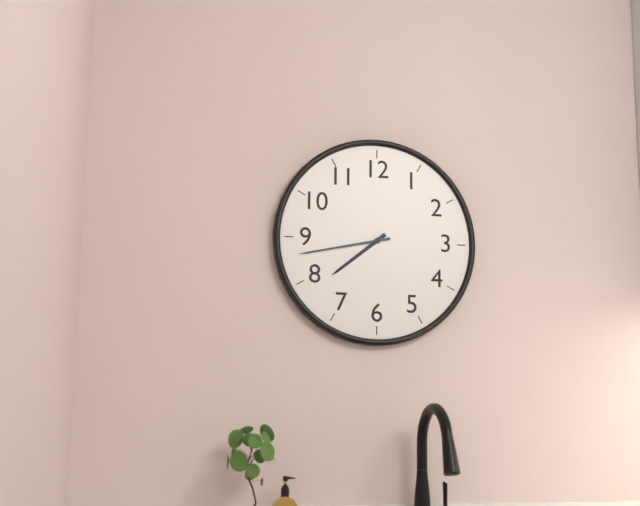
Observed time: **7:43**
